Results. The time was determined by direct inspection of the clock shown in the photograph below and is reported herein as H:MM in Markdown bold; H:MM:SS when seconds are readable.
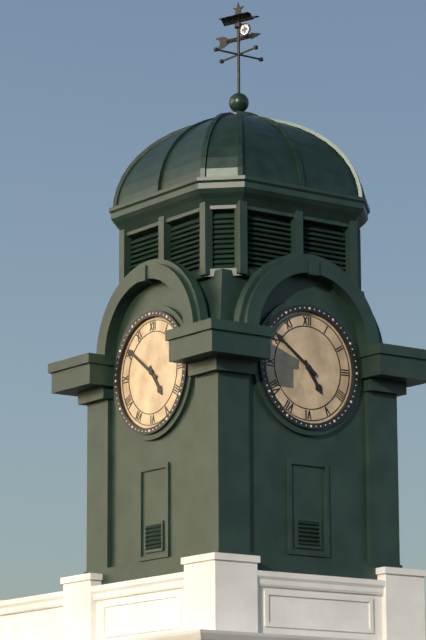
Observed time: **4:51**
